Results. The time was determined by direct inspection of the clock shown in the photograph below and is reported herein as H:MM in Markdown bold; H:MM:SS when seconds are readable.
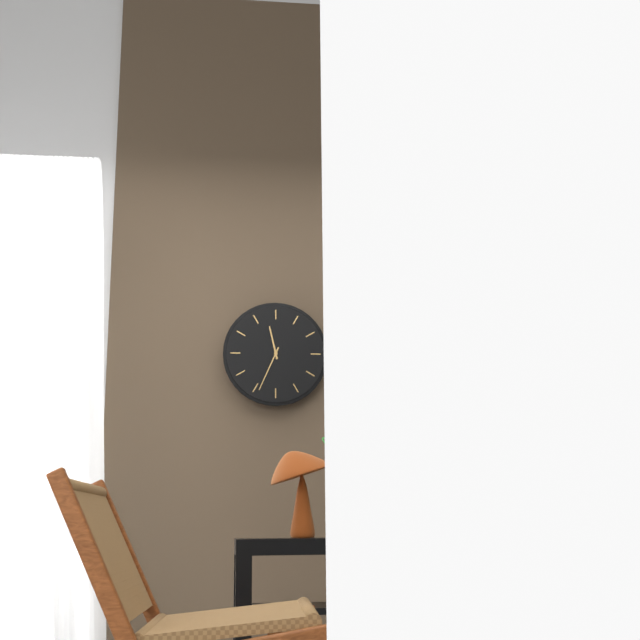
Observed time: **11:34**
